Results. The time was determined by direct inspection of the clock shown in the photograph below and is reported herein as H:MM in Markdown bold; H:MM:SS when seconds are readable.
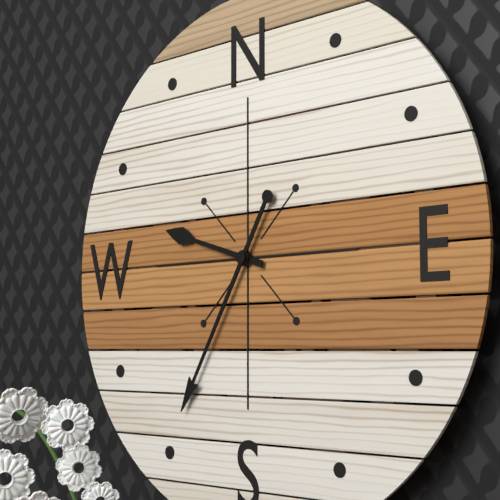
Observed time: **9:35**
